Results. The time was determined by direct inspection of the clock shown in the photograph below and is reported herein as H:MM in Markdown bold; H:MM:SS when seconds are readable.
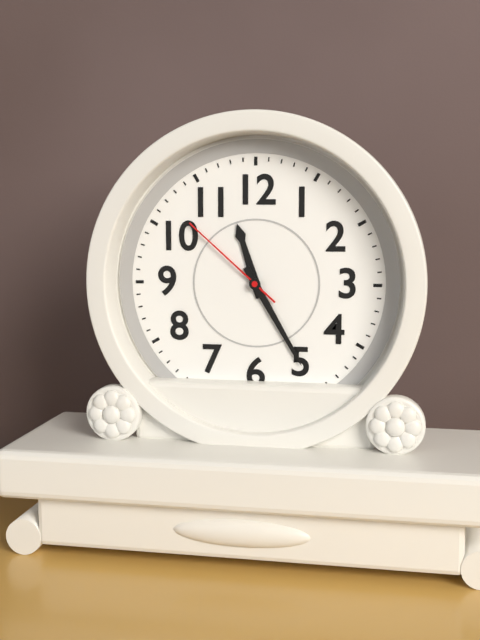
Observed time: **11:25:52**
